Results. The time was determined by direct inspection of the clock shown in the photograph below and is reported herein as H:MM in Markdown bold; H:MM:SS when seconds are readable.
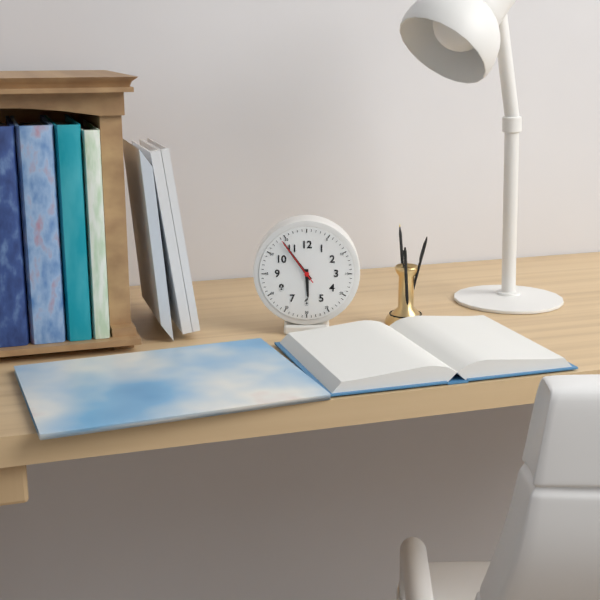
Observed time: **5:54:54**
